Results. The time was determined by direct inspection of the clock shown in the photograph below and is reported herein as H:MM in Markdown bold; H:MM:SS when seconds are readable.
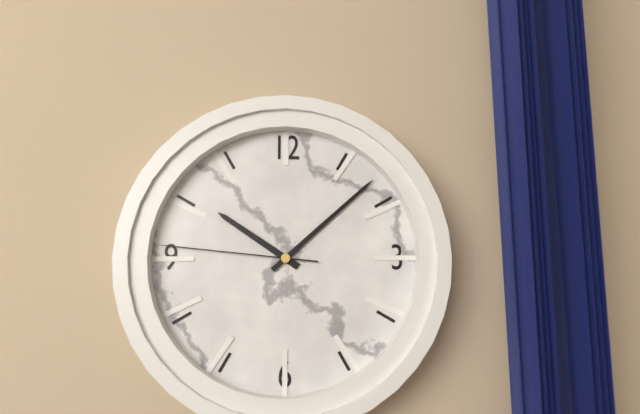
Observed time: **10:08:46**
